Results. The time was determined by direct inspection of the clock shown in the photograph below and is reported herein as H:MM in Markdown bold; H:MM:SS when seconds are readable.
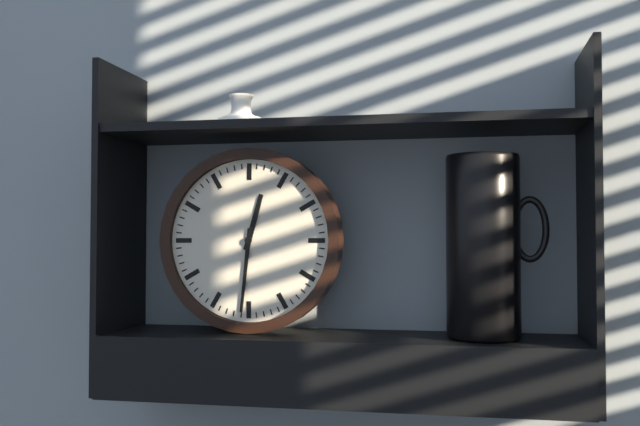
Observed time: **12:31**
